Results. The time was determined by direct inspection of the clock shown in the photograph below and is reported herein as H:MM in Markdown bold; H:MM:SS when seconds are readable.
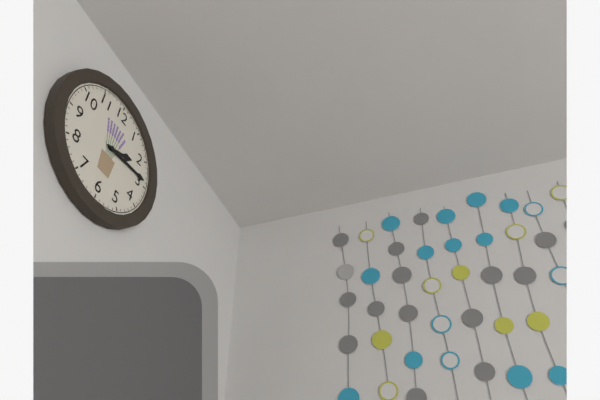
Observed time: **2:14**
